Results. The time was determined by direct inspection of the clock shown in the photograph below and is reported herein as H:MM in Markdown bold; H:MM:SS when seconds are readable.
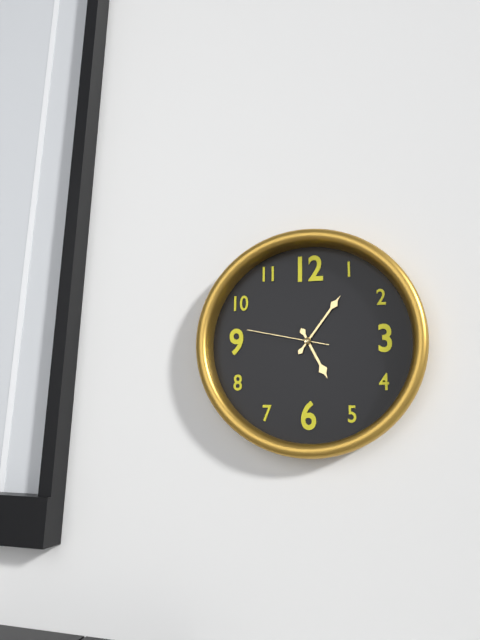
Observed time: **5:06:47**
